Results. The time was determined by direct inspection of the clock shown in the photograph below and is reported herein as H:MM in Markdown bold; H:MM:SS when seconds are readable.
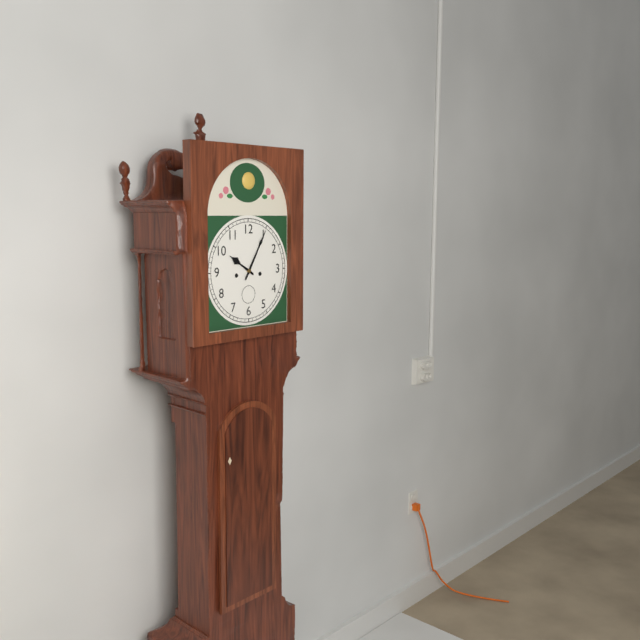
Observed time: **10:05**
